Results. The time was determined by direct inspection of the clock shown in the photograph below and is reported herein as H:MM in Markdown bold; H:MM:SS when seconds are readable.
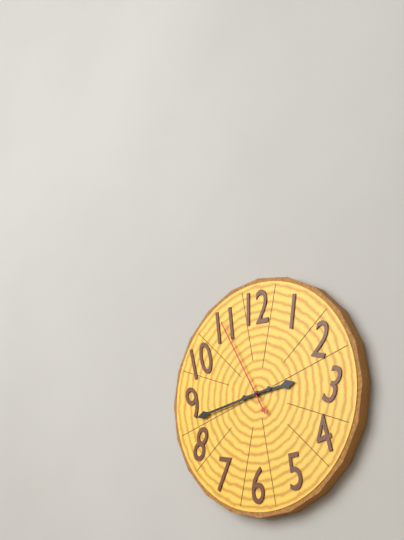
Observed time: **2:43:55**
